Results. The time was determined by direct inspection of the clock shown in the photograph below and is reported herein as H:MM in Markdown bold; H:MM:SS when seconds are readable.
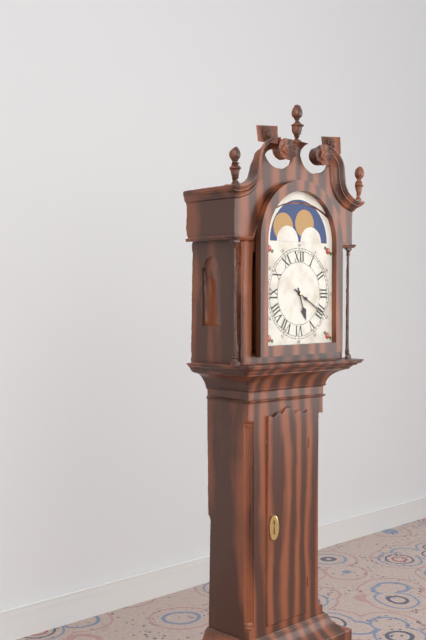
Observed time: **5:20**
